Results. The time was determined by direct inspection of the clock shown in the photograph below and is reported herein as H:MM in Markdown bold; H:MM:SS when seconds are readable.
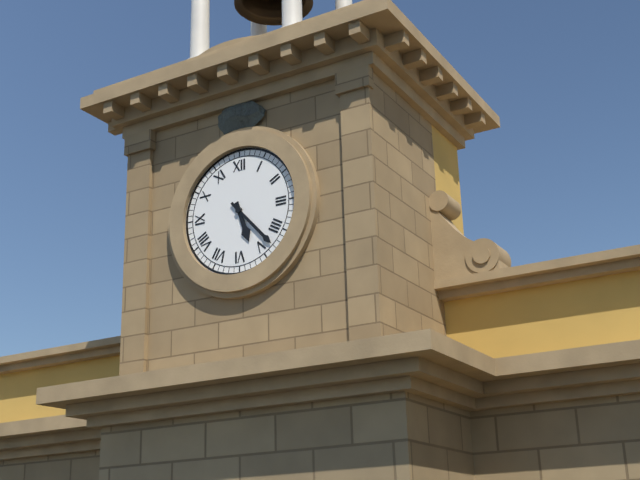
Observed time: **5:23**
